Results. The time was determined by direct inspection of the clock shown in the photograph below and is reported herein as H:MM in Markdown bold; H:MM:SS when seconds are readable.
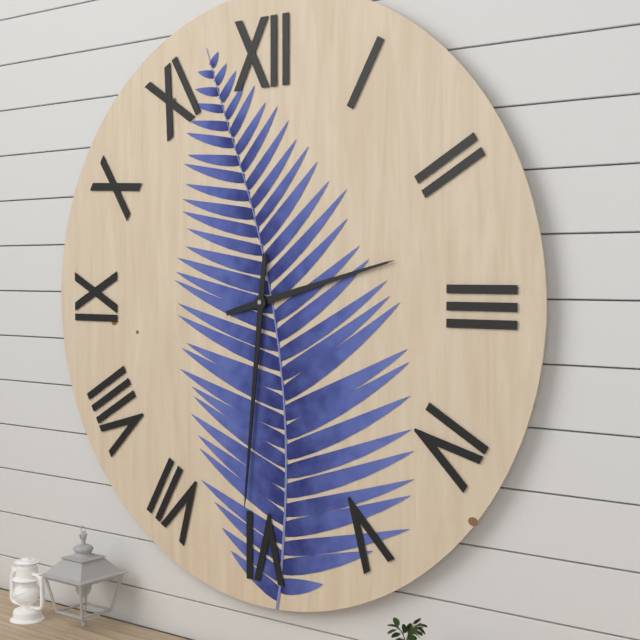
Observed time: **2:31**
